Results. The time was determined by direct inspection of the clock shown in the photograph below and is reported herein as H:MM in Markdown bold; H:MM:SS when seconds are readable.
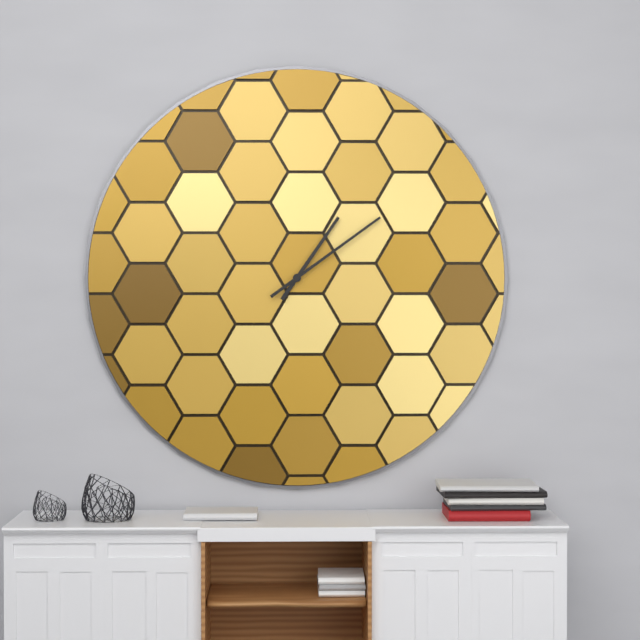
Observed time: **1:09**
